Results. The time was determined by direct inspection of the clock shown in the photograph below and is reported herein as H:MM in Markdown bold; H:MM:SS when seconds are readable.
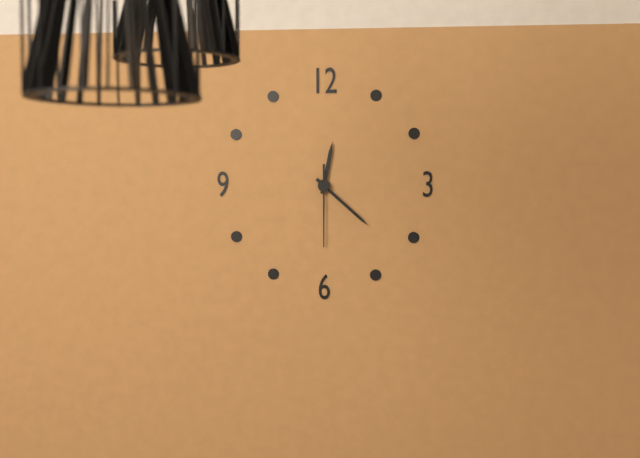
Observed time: **12:22:30**
